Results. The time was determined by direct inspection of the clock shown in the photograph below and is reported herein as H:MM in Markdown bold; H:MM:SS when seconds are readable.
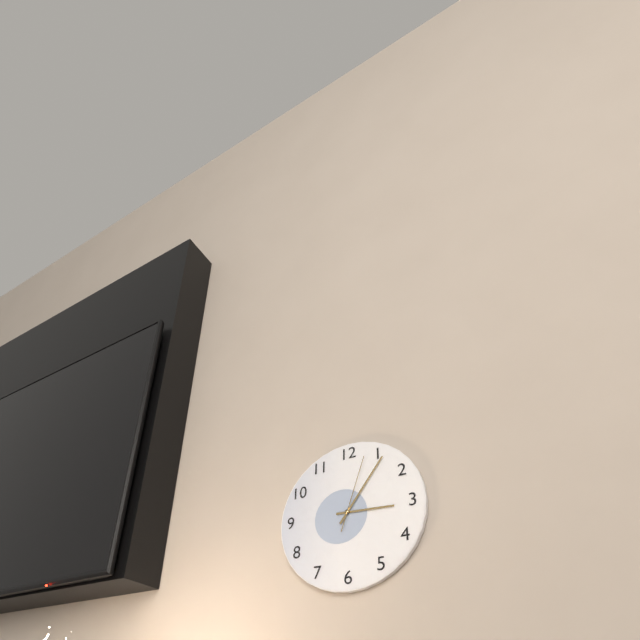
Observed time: **3:06:03**
